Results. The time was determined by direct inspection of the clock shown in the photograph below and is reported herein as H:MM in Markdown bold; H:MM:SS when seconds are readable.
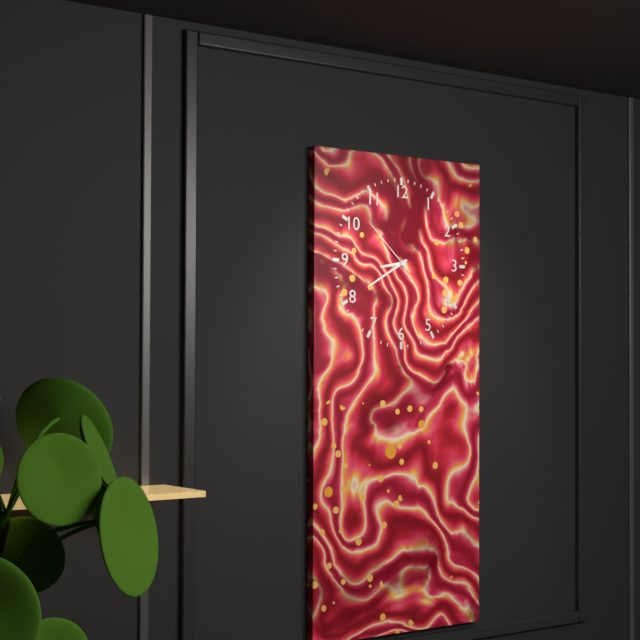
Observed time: **8:40:52**
